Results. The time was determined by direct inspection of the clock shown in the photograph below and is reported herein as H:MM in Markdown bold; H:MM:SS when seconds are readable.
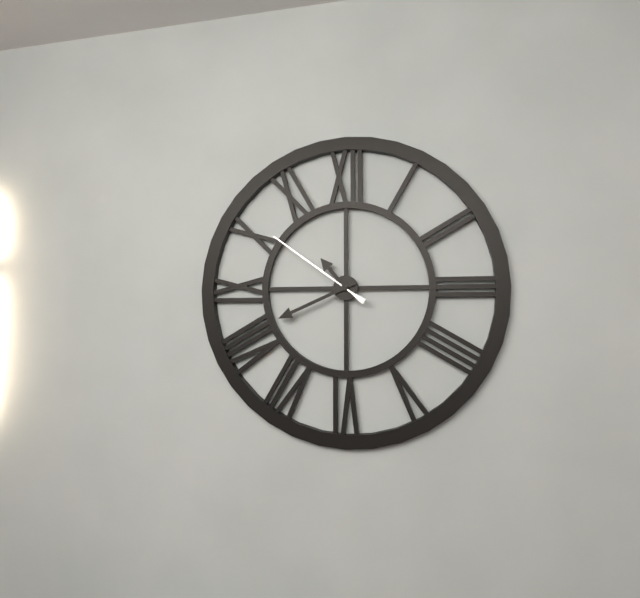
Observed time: **10:41:51**
